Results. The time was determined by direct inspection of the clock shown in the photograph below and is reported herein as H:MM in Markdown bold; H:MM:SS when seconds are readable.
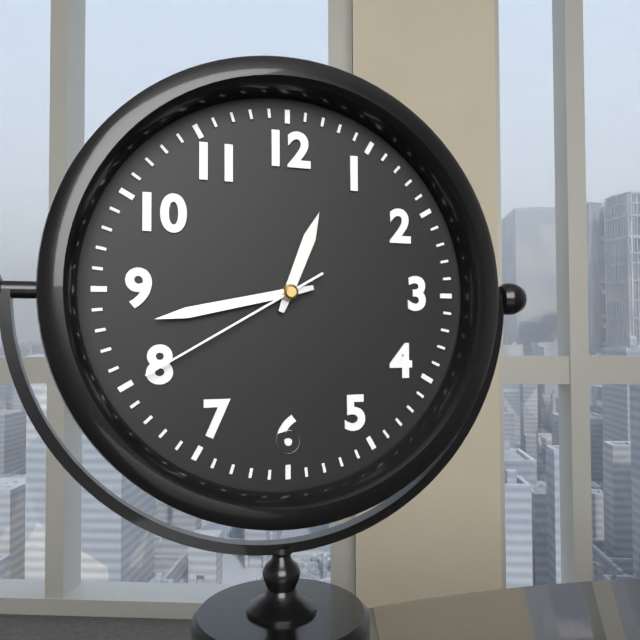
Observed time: **12:43:40**
